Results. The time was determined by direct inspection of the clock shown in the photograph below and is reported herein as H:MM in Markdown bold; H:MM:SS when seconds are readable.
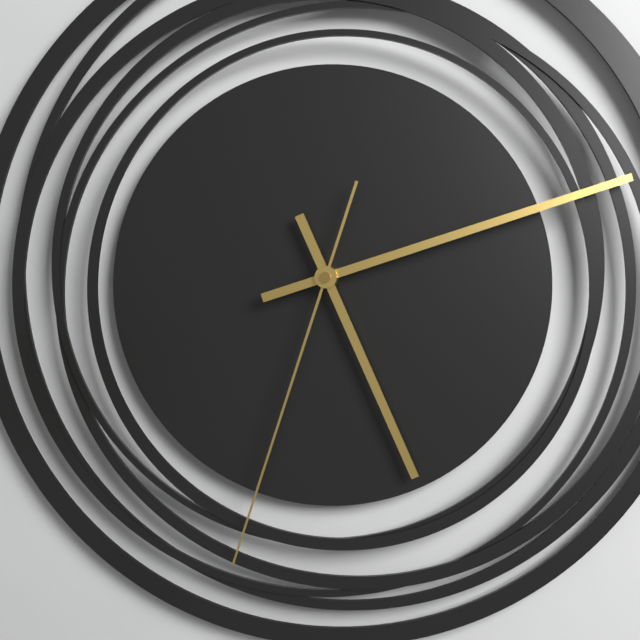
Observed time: **5:12:33**
